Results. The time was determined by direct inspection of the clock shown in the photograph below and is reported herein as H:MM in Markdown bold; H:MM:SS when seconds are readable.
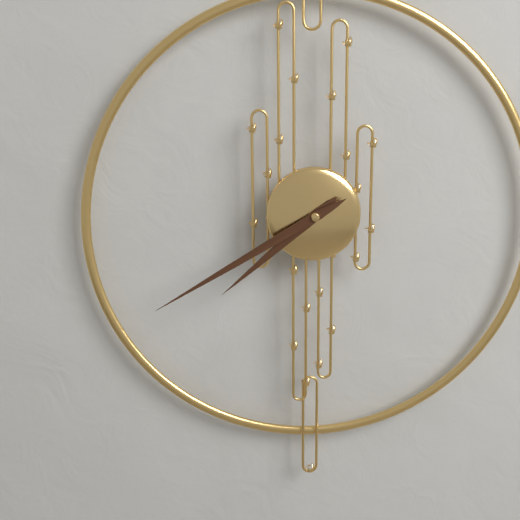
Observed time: **7:40**
